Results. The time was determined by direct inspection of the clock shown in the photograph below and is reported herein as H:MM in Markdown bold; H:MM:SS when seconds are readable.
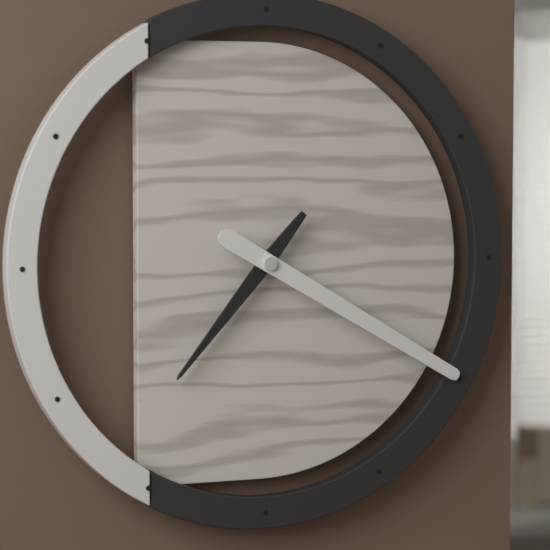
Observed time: **7:20**
